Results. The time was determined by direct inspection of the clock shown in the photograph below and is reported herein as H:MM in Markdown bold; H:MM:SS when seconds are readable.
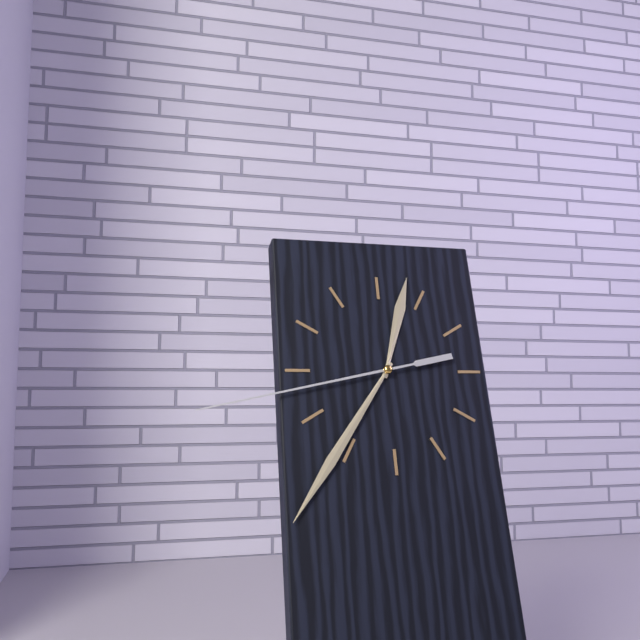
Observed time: **12:36:43**
